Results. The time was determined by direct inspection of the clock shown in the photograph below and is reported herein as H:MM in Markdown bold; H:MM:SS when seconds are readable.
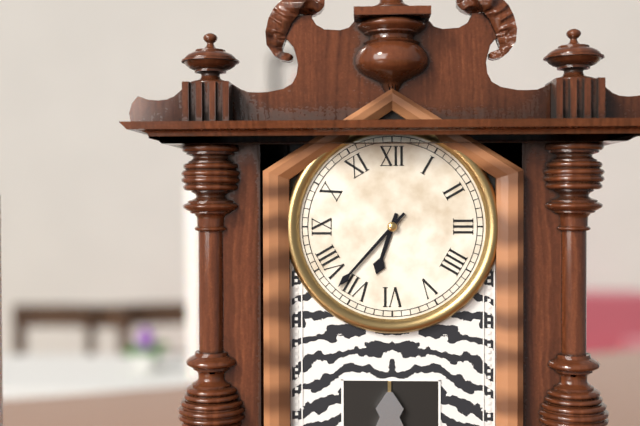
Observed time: **6:37**
